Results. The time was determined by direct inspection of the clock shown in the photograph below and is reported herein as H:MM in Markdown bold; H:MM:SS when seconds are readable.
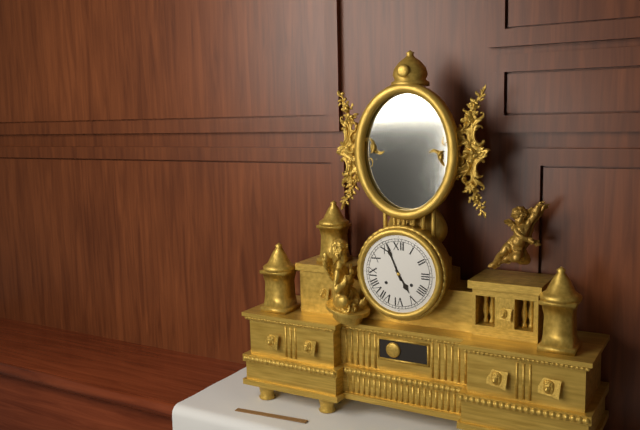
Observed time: **4:56**
